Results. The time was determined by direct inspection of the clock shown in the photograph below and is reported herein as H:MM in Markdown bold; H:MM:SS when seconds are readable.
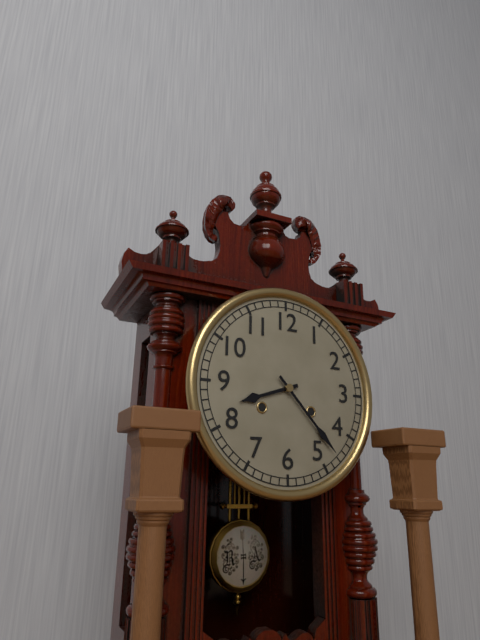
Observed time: **8:23**
